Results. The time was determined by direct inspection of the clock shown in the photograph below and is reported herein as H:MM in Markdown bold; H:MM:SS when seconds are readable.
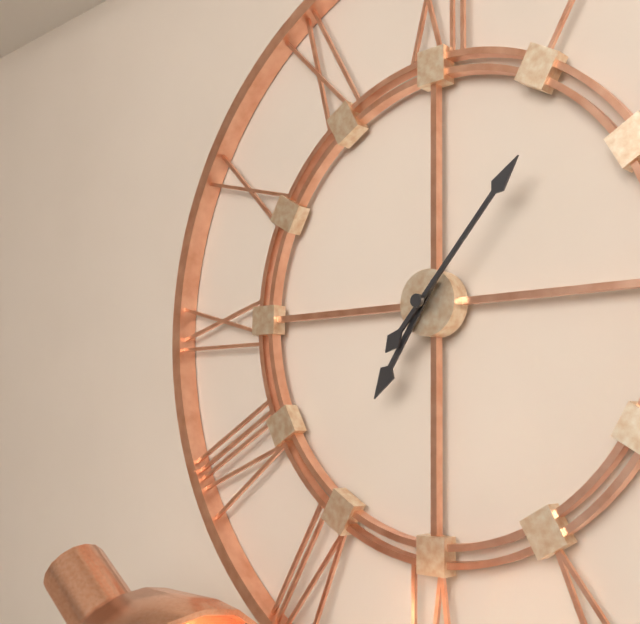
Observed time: **7:07**
